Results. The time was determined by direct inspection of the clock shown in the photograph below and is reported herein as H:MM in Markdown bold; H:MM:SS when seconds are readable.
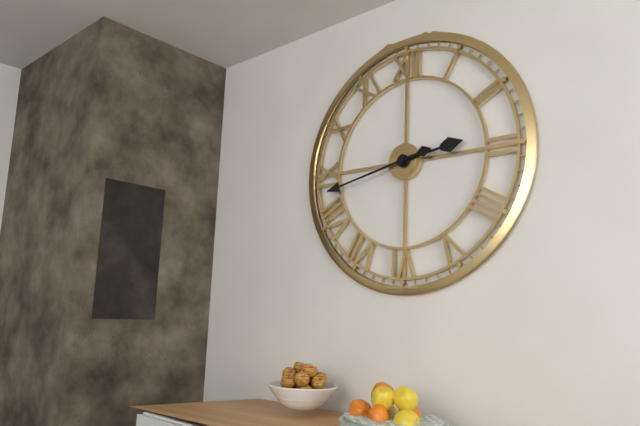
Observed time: **2:43**
